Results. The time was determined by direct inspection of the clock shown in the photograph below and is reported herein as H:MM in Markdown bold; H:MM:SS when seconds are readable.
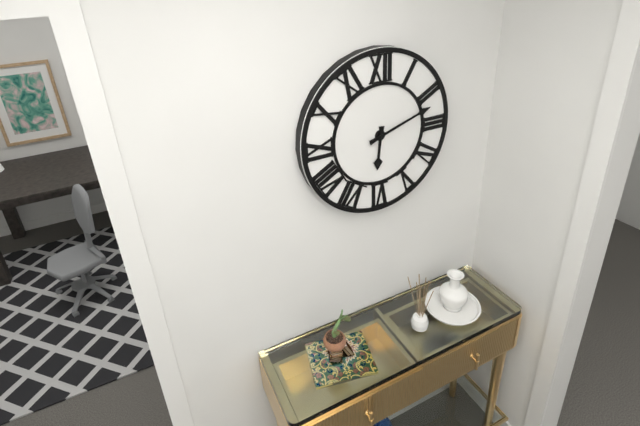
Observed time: **6:12**
